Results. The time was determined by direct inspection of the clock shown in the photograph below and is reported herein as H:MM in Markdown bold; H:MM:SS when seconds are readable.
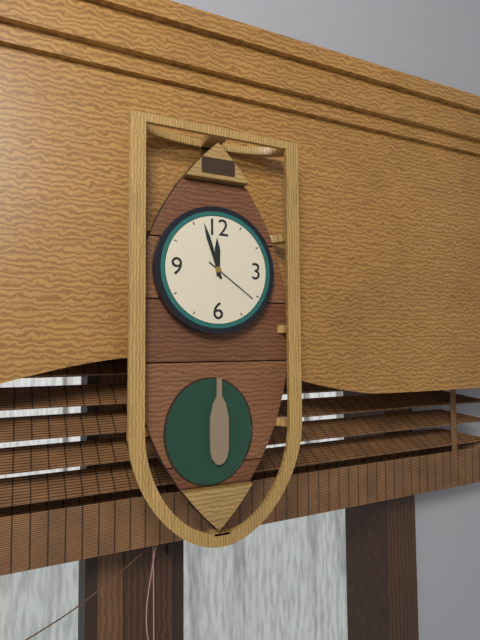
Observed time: **11:57:21**
